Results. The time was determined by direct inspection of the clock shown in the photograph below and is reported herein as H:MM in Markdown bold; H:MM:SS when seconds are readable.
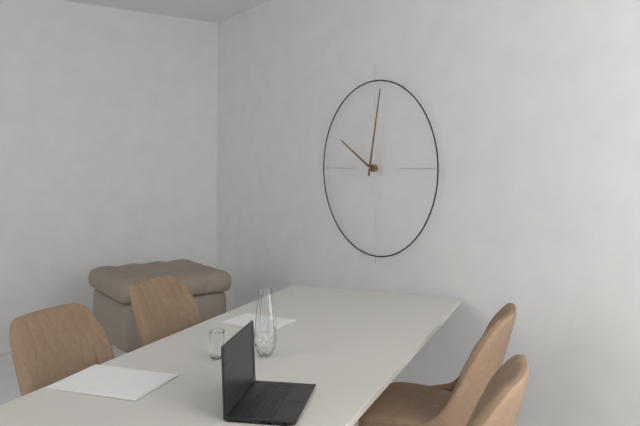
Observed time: **10:02**
